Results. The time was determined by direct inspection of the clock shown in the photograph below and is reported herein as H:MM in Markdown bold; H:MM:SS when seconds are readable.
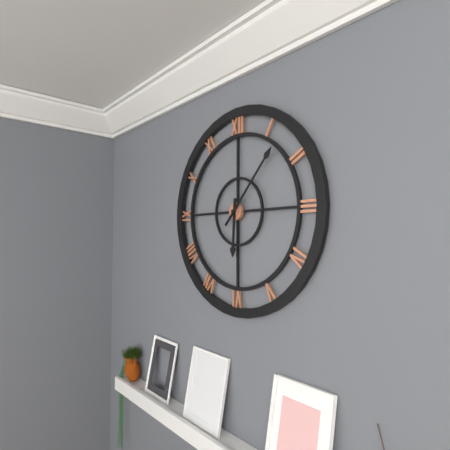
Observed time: **6:07**
